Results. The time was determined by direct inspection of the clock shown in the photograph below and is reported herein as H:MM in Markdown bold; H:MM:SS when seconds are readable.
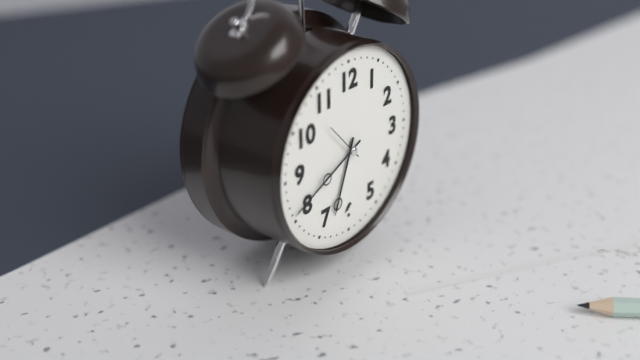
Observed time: **6:41**
